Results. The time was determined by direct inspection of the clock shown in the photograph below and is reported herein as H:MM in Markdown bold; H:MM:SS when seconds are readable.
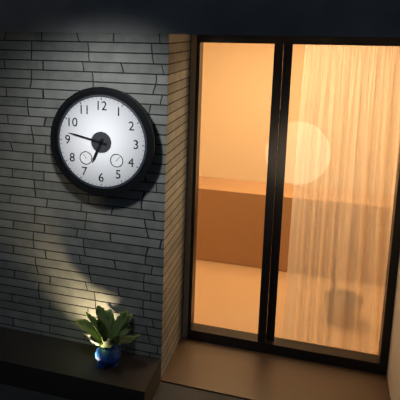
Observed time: **6:47**
